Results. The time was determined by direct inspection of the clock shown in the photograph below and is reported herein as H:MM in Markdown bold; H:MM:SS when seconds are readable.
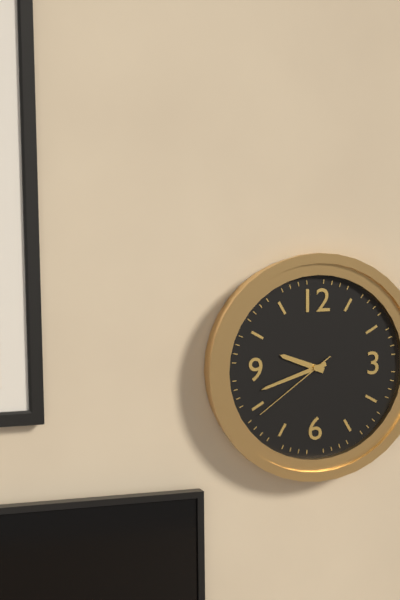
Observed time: **9:42:39**
